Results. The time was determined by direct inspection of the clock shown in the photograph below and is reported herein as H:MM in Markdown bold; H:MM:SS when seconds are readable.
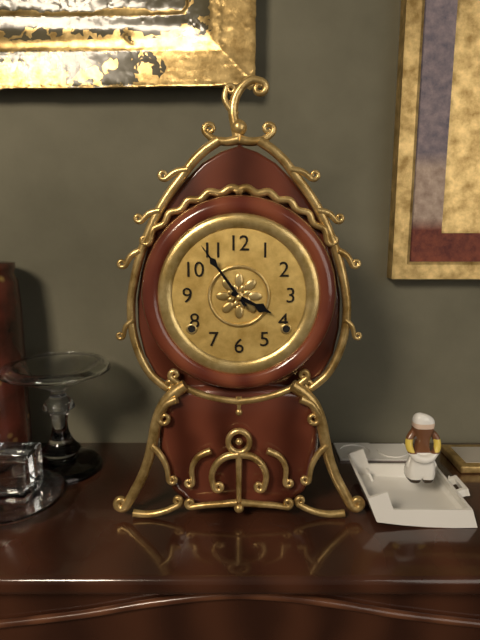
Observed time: **3:54**
